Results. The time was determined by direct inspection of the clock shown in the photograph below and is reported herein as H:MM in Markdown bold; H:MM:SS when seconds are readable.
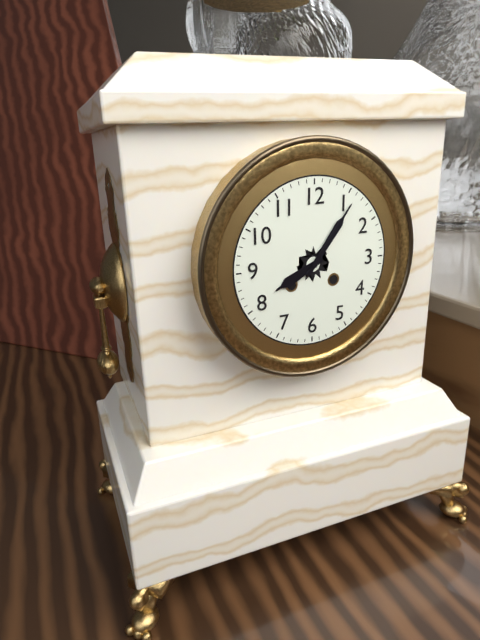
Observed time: **8:06**
